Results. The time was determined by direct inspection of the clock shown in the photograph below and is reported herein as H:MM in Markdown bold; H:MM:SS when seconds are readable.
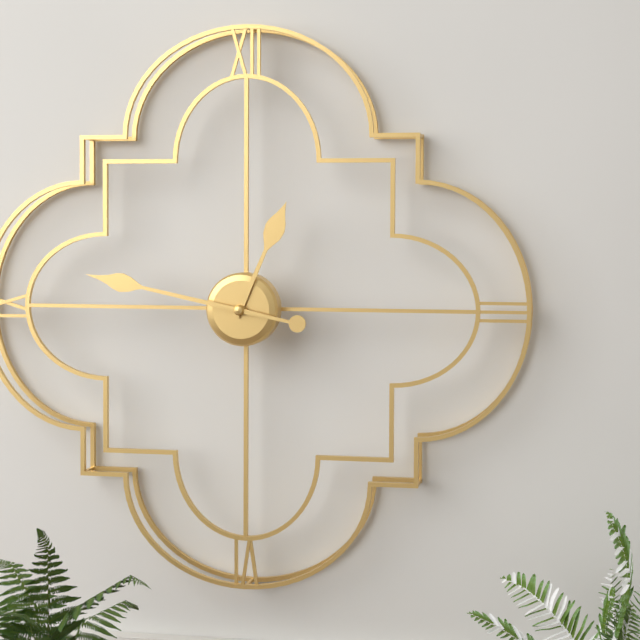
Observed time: **12:47**
